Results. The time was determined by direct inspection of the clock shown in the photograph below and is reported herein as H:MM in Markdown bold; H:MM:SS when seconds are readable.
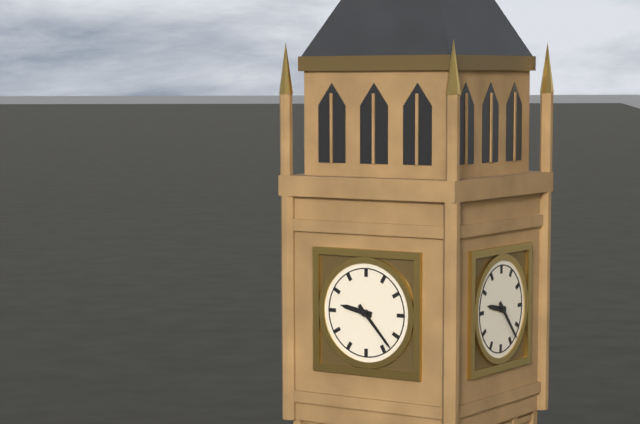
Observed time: **9:23**
